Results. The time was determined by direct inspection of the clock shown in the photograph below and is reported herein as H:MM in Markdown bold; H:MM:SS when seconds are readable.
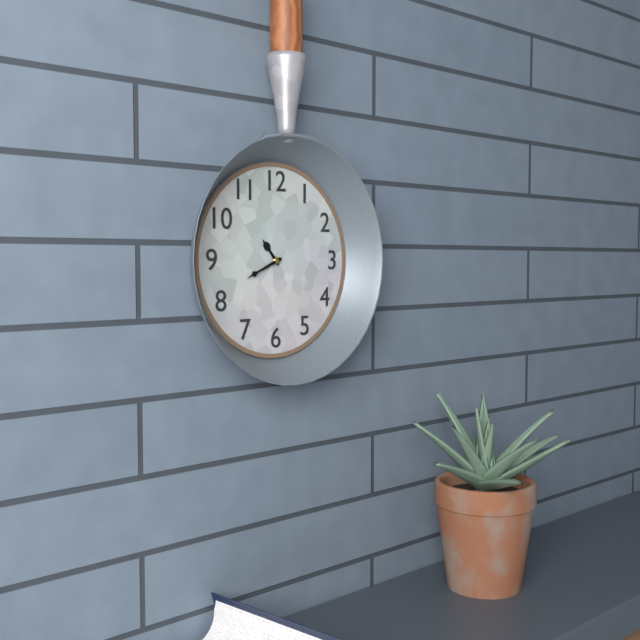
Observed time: **10:41**
